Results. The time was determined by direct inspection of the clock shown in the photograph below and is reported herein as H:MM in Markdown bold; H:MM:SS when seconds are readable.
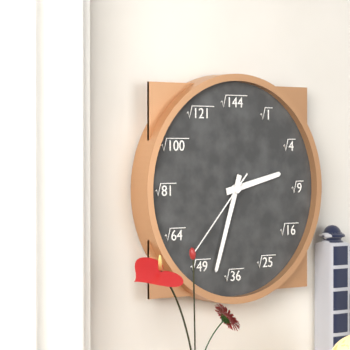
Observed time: **2:33:37**
